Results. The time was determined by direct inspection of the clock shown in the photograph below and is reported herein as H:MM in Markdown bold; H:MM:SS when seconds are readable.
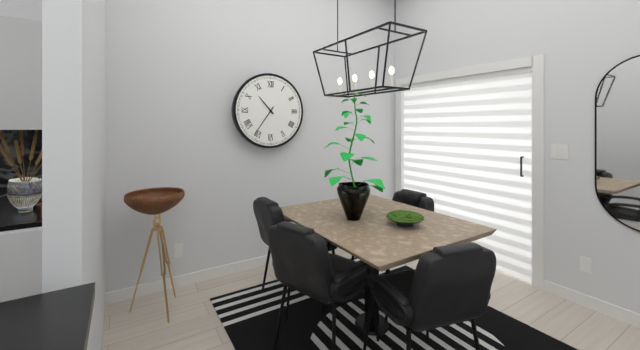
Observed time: **10:36**
